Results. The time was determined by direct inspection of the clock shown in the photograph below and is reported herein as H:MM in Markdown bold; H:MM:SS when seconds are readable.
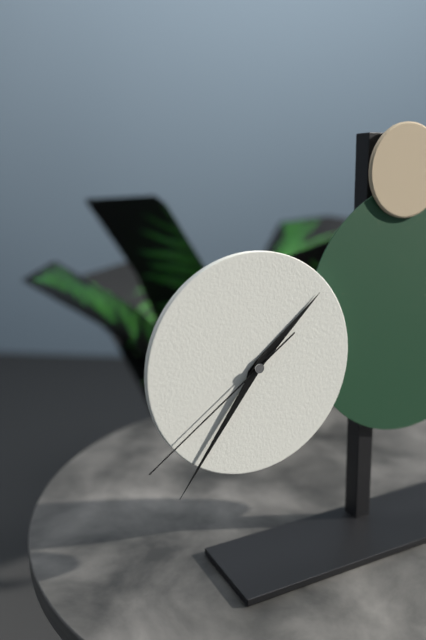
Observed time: **1:36:39**
